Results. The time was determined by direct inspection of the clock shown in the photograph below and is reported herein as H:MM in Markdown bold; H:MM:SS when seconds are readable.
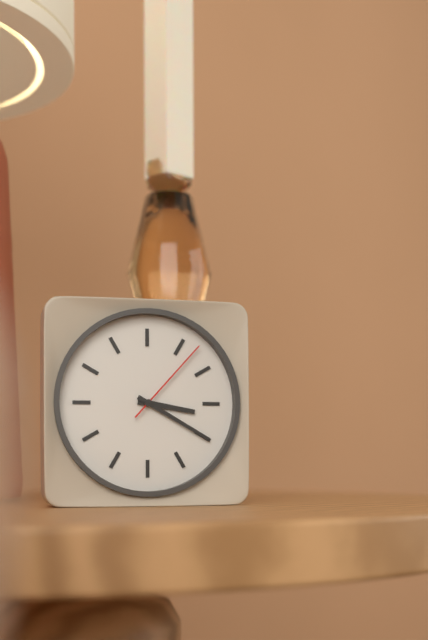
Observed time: **3:20:07**
